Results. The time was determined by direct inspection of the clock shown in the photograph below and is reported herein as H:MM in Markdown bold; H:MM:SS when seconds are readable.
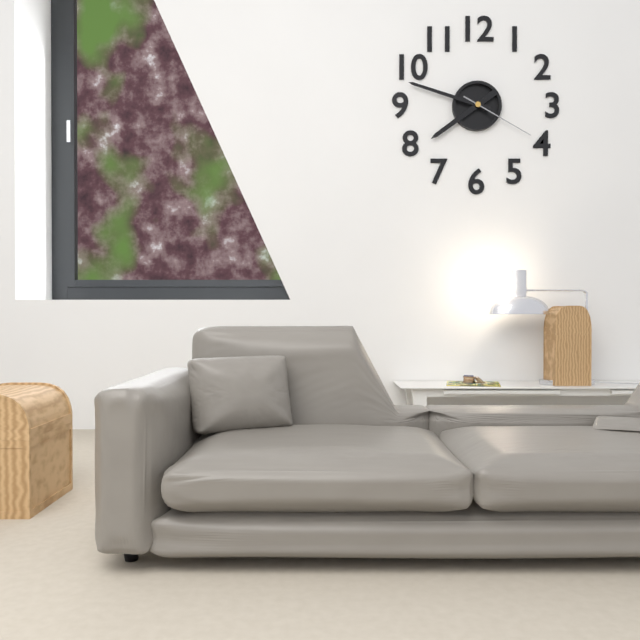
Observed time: **7:48:20**
